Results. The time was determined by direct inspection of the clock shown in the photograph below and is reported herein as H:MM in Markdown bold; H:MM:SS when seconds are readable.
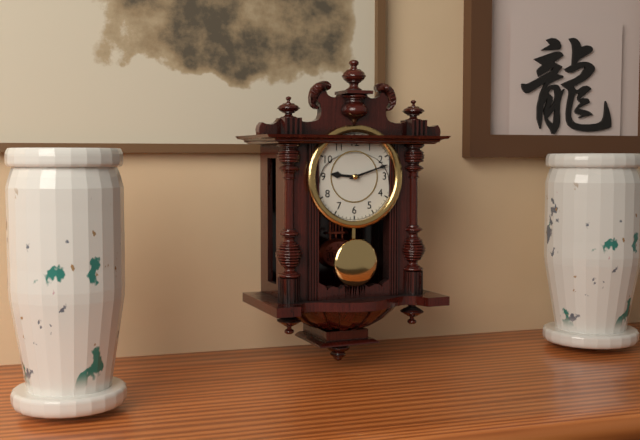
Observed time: **9:12**
